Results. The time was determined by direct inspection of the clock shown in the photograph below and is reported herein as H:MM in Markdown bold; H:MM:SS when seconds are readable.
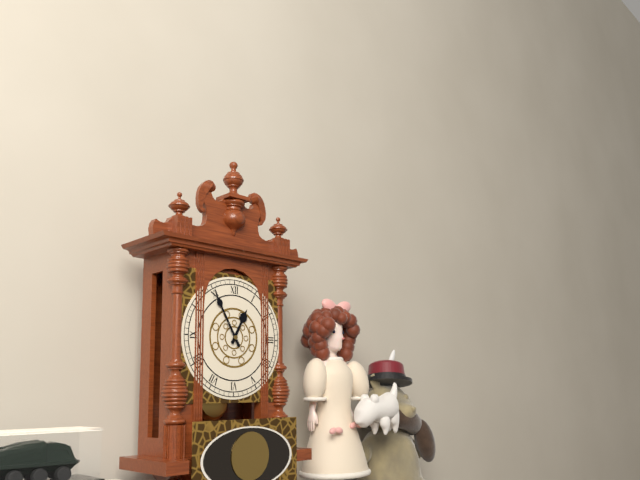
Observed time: **12:55**
